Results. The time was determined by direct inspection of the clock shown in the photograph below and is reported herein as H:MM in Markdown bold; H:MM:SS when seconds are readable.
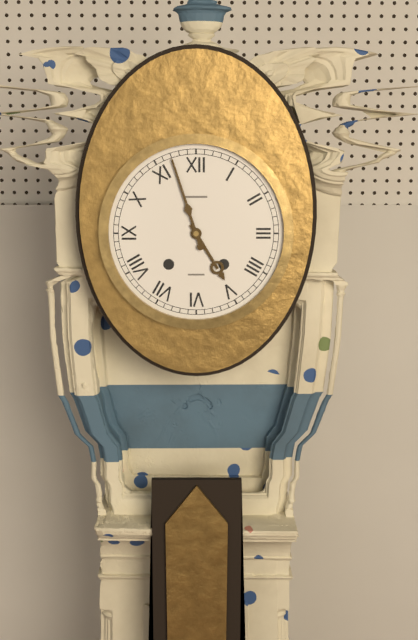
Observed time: **4:57**
